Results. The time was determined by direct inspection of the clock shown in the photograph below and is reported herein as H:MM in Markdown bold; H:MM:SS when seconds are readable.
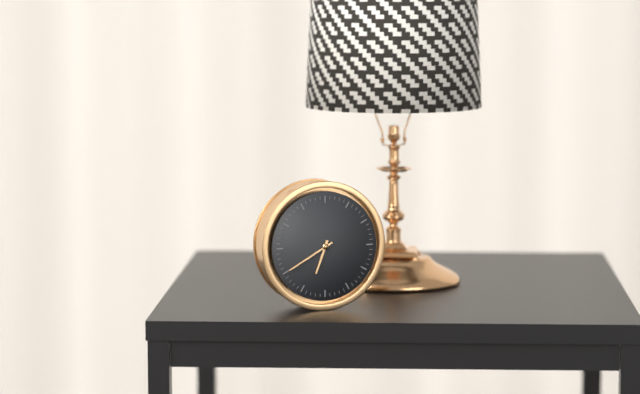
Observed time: **6:40**
